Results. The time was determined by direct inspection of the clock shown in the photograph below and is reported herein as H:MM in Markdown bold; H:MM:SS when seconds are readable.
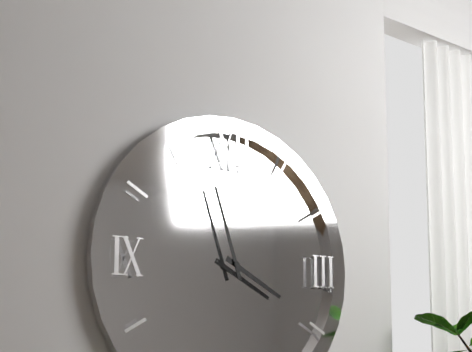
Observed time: **3:57**
